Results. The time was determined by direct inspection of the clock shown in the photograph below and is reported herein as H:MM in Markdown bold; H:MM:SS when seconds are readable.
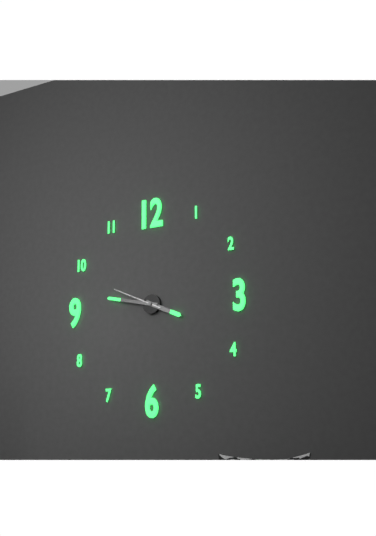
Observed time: **3:47:49**
